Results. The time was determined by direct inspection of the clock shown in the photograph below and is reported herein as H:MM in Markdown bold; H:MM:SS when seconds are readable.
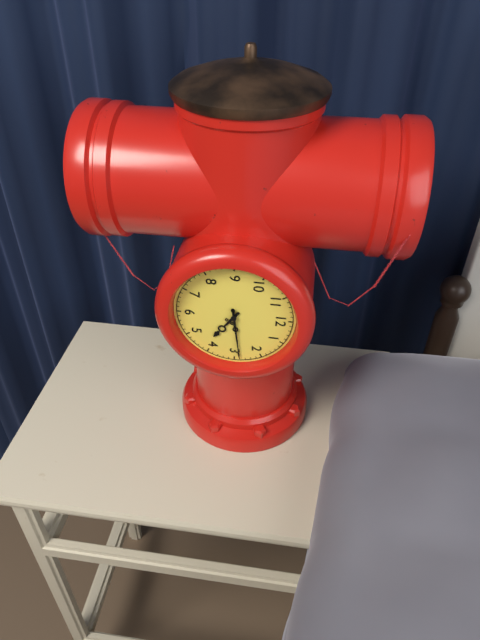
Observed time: **4:14**
